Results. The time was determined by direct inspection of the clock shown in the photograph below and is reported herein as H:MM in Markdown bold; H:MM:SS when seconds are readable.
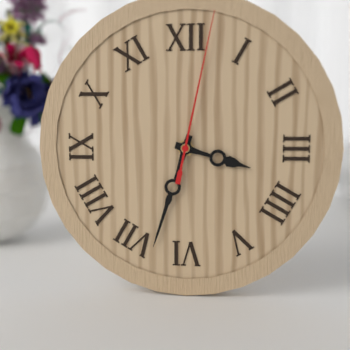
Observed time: **3:33:02**
